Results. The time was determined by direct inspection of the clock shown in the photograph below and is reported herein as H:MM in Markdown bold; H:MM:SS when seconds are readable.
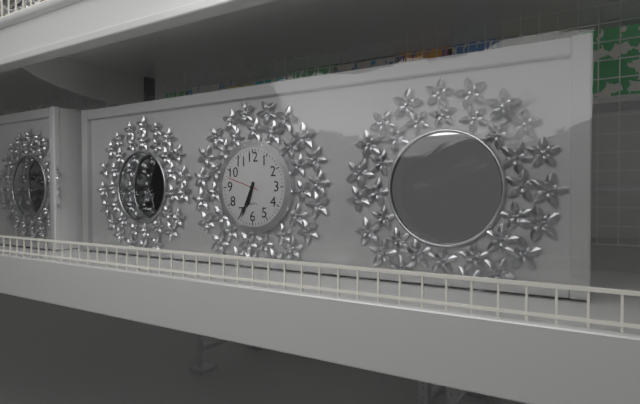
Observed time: **6:34**
